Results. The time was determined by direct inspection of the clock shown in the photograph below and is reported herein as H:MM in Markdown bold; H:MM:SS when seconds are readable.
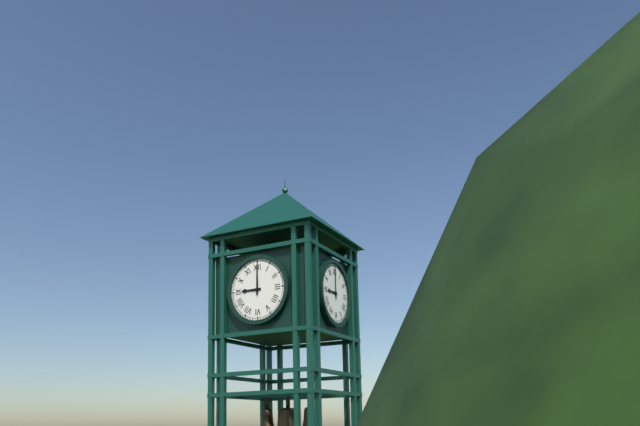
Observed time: **9:00**
